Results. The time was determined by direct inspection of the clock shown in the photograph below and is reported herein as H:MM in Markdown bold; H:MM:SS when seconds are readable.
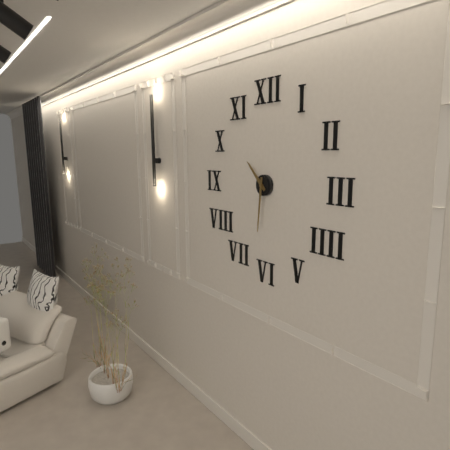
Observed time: **10:31**
